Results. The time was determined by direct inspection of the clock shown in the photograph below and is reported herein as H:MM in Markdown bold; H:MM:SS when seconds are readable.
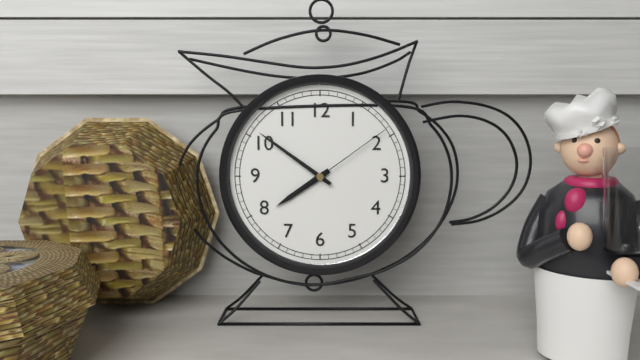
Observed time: **7:51:09**
